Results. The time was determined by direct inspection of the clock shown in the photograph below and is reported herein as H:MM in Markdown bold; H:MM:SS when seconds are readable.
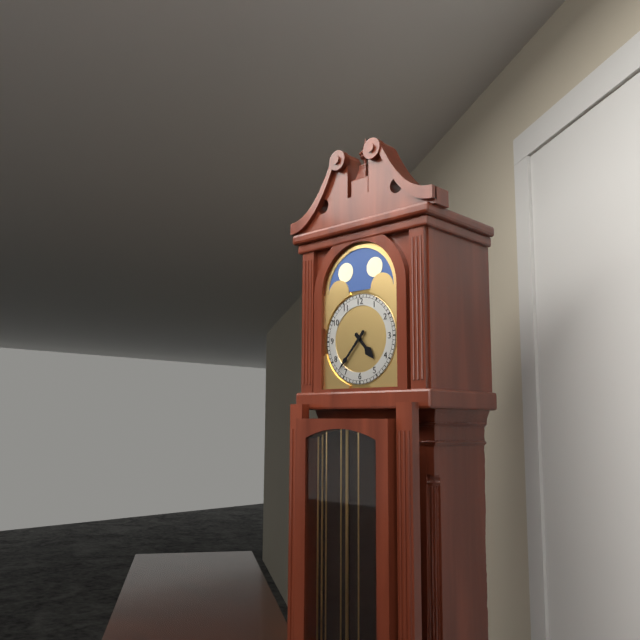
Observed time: **4:37**
